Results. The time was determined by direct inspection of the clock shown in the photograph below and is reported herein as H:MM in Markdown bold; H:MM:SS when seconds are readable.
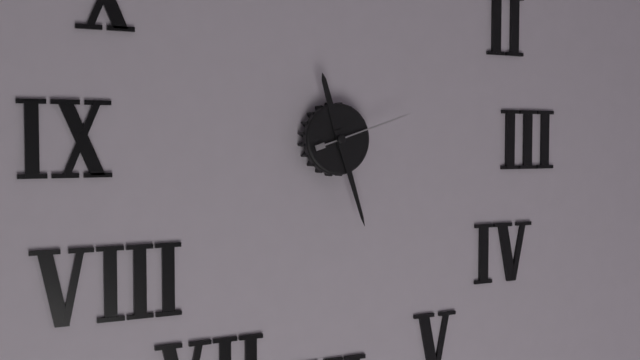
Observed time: **11:27:12**
